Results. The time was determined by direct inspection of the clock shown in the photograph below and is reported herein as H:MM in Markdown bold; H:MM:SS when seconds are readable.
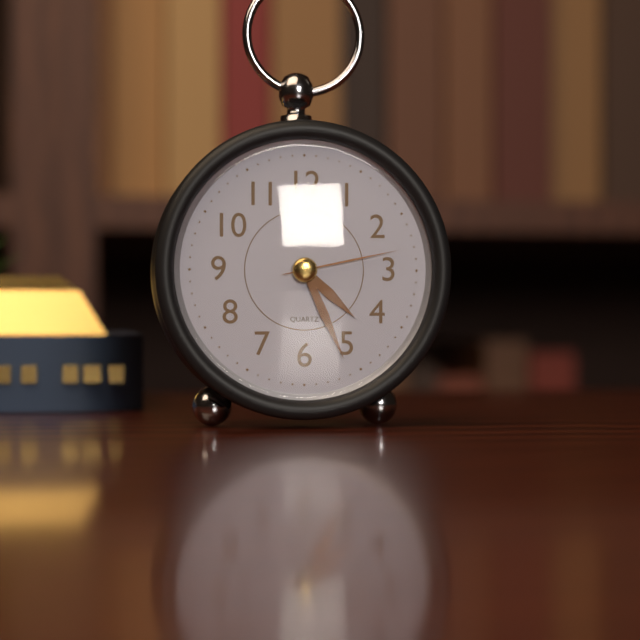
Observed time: **4:26:13**
